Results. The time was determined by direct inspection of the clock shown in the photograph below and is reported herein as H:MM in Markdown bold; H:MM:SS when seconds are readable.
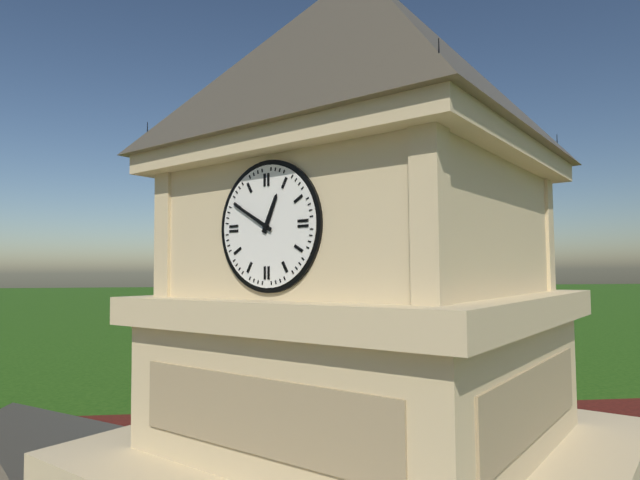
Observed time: **12:50**
